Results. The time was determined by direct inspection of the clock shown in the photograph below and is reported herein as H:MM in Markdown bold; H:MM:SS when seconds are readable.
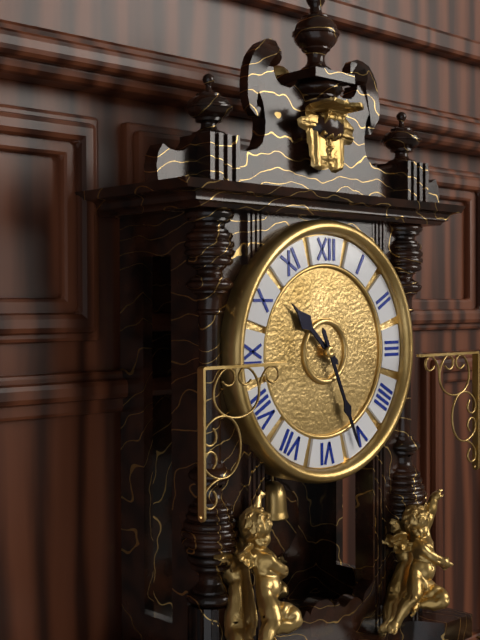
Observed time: **10:26**
